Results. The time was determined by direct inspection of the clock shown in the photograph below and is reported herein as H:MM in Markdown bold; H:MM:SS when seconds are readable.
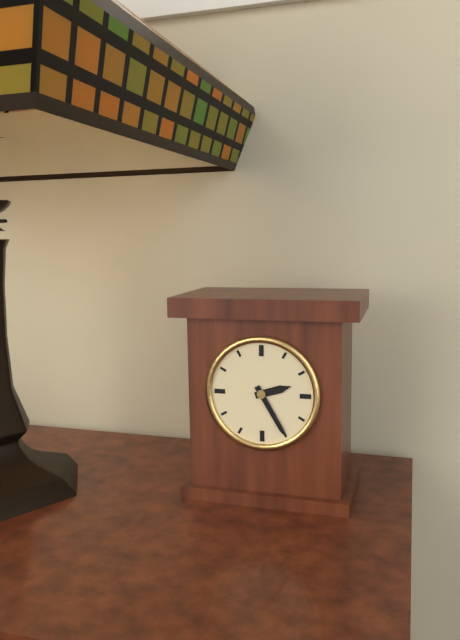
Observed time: **2:25**
